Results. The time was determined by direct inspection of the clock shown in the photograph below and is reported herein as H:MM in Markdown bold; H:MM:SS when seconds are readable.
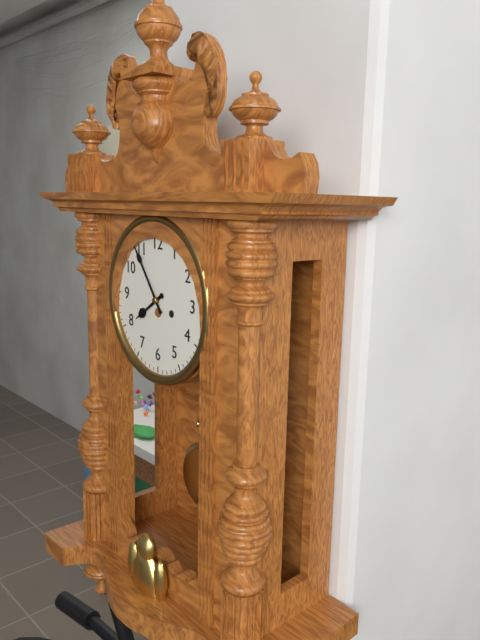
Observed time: **7:54**
